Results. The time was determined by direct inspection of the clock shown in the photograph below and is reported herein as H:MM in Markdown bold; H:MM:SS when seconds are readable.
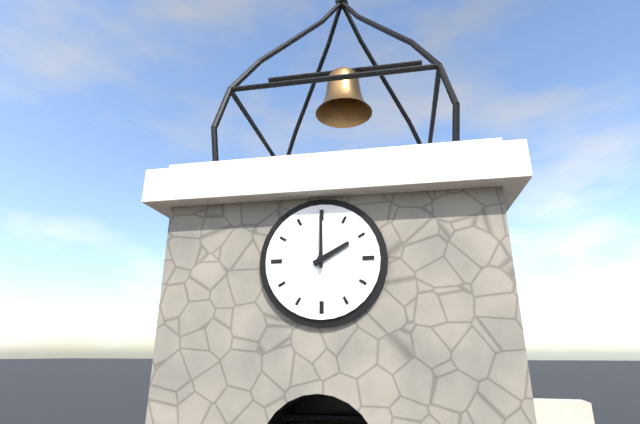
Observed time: **2:00**
